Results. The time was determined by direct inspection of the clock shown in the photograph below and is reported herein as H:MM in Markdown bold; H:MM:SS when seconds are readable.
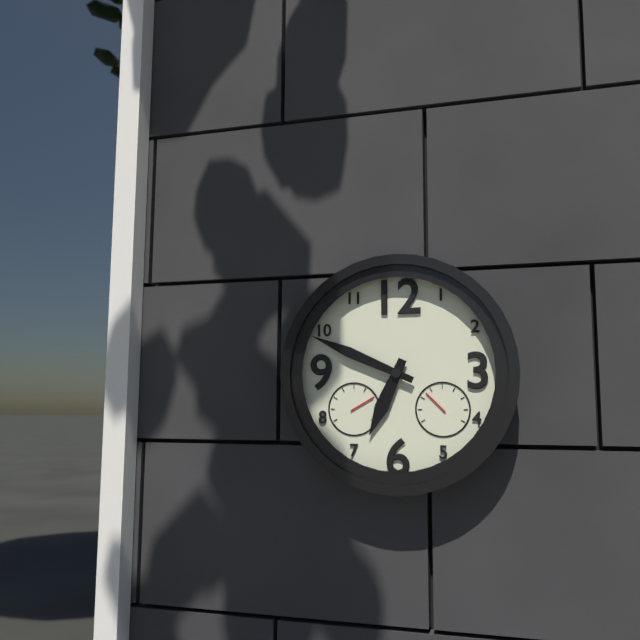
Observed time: **6:49**
